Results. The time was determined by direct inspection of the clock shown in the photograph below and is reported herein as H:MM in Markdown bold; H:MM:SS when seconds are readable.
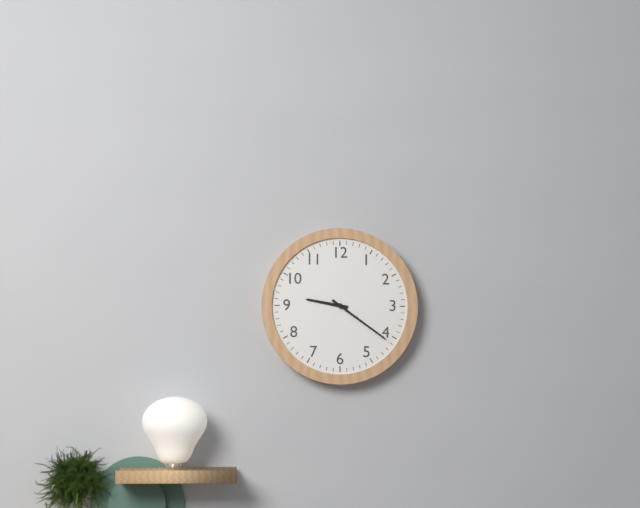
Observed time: **9:21**
